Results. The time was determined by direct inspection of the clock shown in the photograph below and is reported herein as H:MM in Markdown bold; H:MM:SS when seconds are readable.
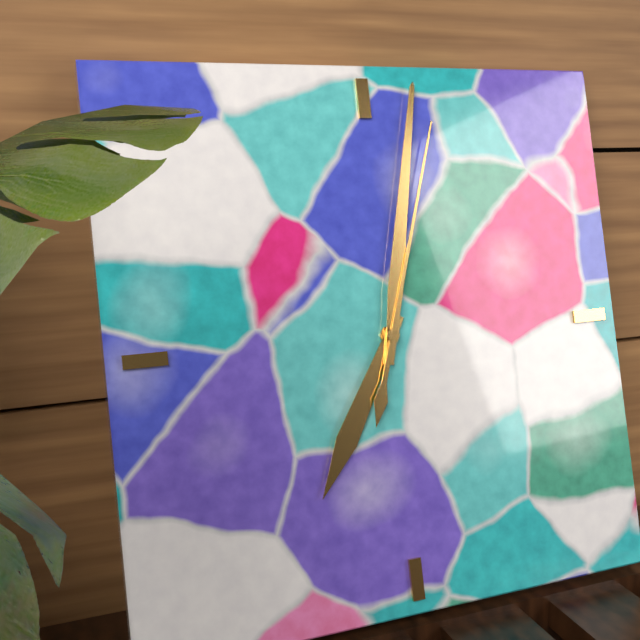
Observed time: **7:02:03**
